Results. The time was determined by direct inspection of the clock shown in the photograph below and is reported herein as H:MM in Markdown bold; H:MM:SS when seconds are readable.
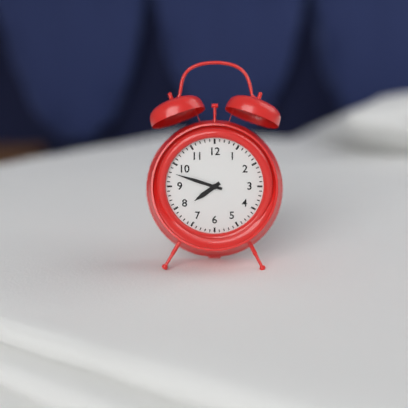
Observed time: **7:48**
